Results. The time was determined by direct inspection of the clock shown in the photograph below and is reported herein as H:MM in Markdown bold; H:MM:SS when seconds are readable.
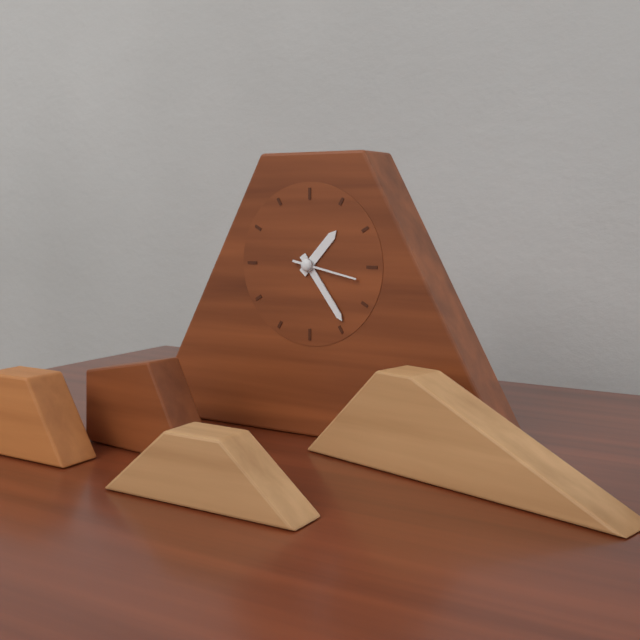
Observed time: **1:24:17**
